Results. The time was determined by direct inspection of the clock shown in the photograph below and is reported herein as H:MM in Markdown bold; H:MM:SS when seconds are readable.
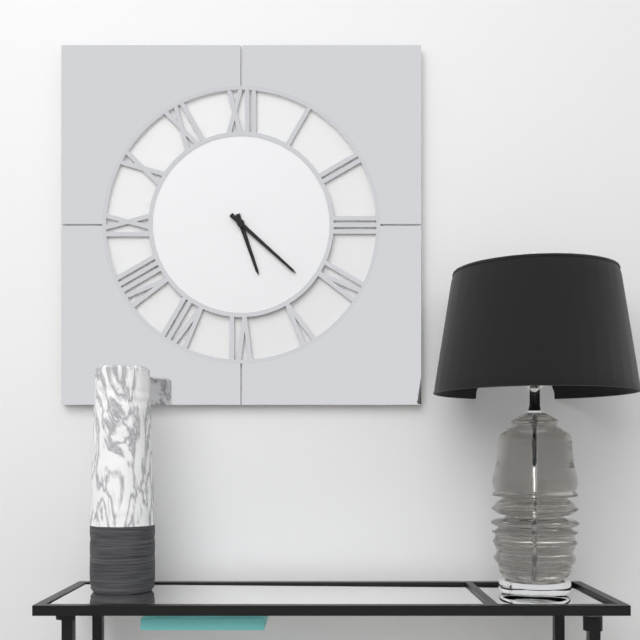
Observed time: **5:22**
